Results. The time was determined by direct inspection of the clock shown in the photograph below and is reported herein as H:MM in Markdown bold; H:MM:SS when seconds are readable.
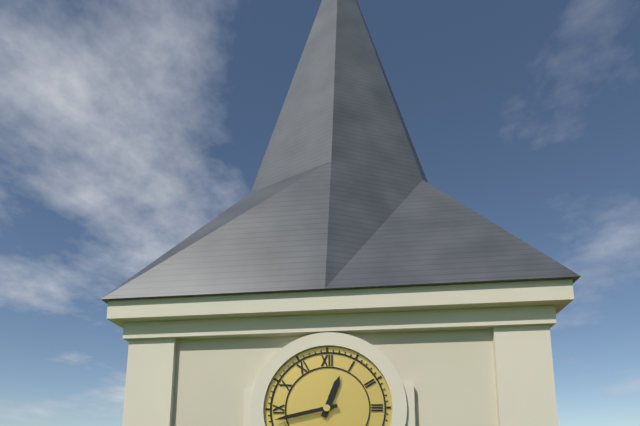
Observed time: **12:43**
